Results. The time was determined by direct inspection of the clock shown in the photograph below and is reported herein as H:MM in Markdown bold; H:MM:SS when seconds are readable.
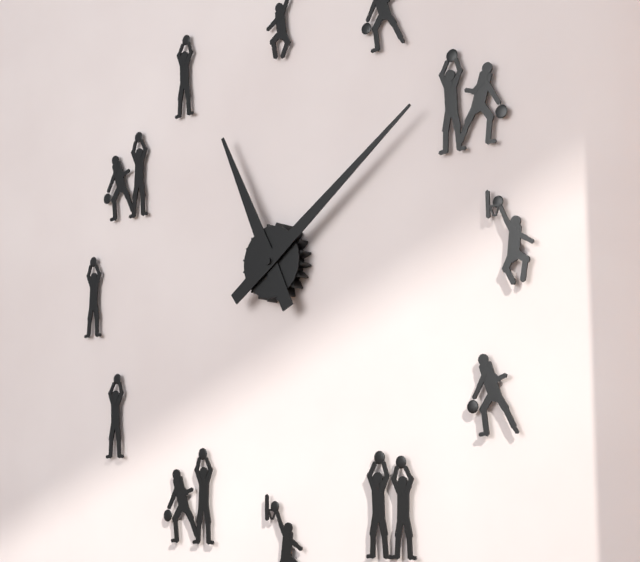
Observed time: **11:09**
